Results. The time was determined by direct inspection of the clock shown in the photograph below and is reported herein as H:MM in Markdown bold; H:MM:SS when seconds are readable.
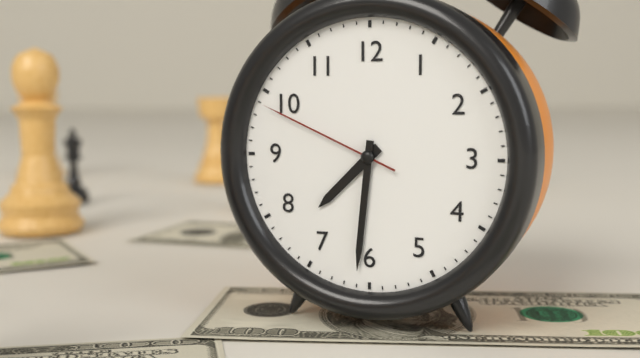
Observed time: **7:31:49**
